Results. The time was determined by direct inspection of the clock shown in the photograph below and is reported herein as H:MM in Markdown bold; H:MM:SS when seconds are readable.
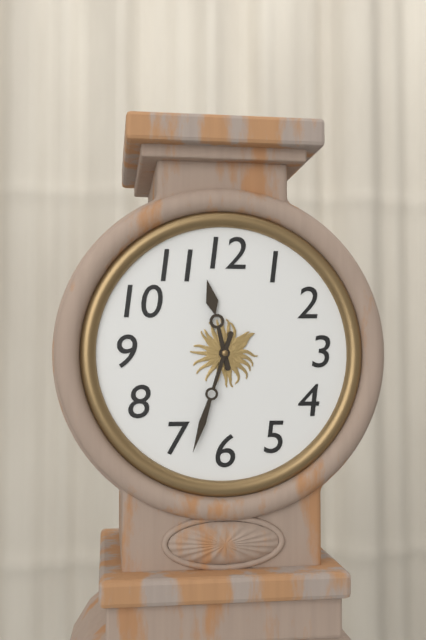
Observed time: **11:33**
